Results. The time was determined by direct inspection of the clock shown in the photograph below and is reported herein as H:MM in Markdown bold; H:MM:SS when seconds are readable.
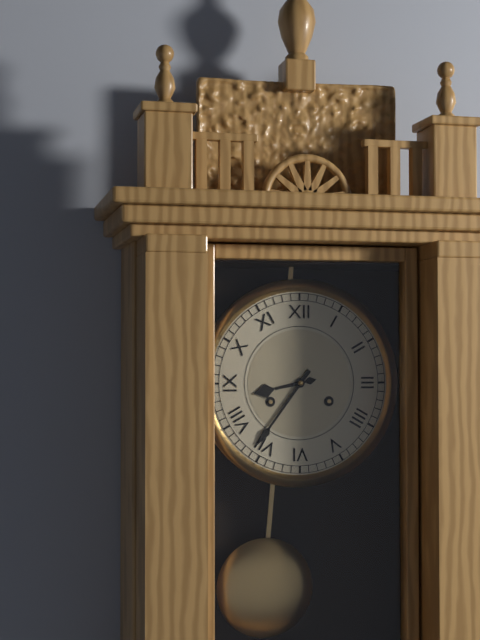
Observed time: **8:36**
